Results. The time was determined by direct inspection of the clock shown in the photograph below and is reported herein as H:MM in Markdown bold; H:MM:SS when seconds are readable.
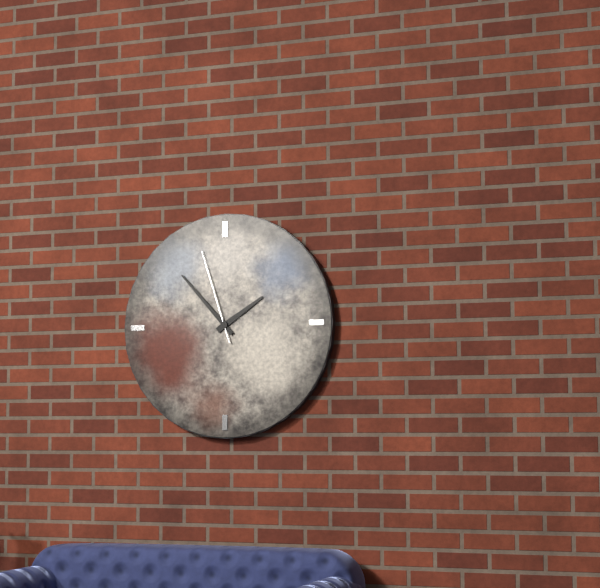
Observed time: **1:53:57**
